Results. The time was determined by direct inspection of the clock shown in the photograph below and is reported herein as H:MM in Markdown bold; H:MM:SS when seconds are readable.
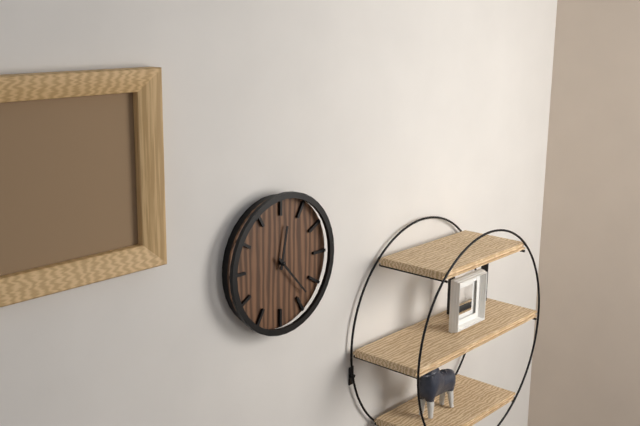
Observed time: **12:23**
